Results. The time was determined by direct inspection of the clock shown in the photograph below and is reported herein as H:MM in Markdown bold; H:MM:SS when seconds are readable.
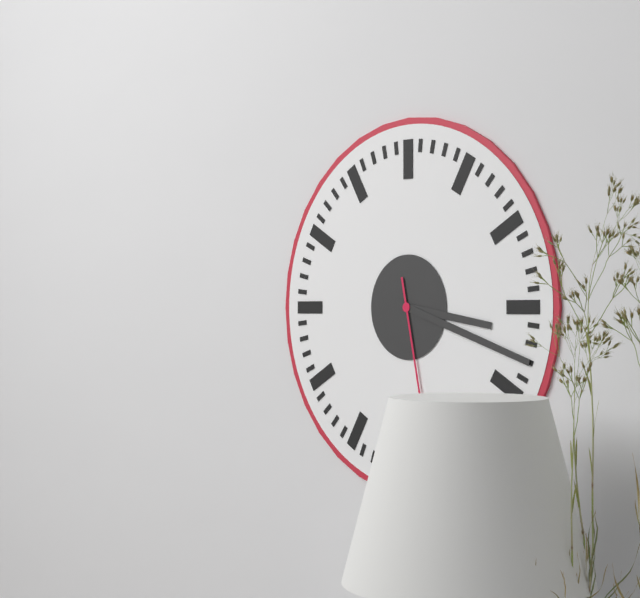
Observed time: **3:18:28**
